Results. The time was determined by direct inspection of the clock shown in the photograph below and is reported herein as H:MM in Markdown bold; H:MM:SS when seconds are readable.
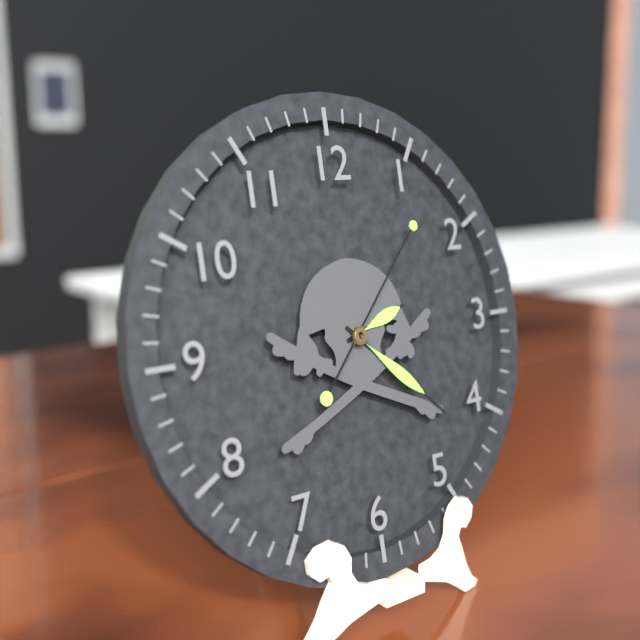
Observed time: **2:22:07**
